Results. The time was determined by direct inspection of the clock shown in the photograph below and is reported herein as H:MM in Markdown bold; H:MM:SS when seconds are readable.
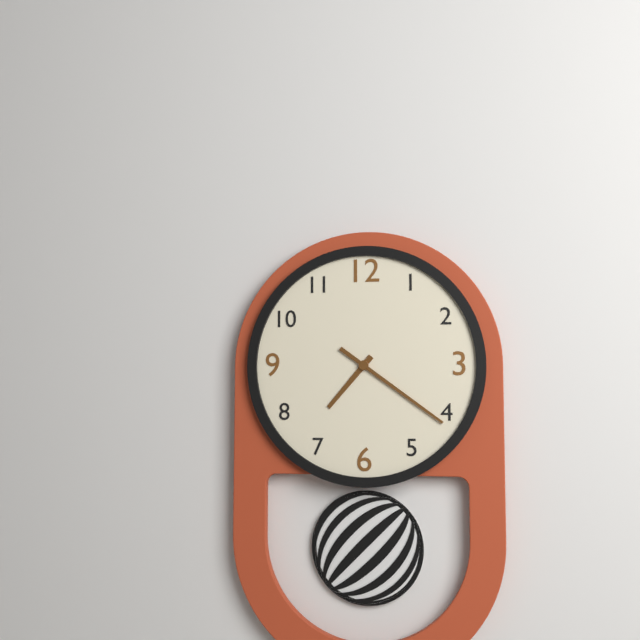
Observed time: **7:21**
